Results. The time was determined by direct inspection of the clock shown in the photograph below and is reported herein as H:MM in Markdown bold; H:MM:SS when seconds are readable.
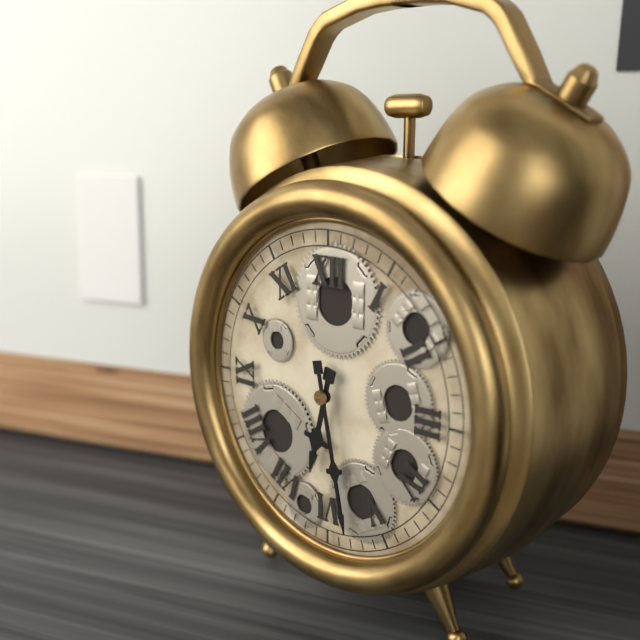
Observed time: **6:28**
